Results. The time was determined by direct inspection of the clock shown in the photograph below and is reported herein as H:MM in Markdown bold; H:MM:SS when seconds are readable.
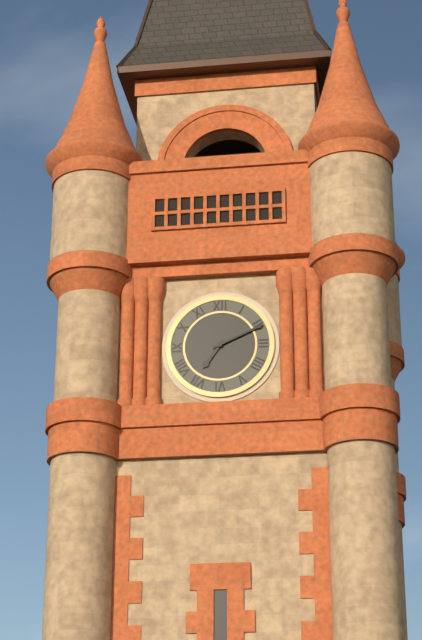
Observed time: **7:11**
